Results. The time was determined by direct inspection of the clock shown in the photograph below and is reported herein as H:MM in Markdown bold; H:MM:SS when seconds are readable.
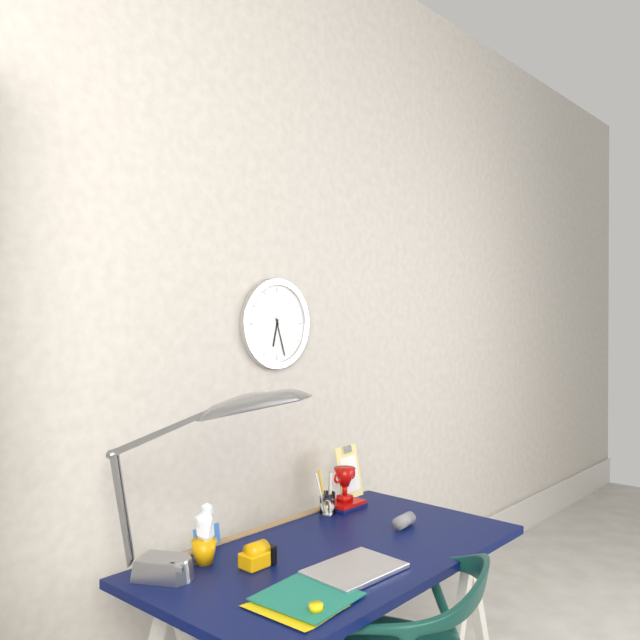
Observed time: **6:27**
